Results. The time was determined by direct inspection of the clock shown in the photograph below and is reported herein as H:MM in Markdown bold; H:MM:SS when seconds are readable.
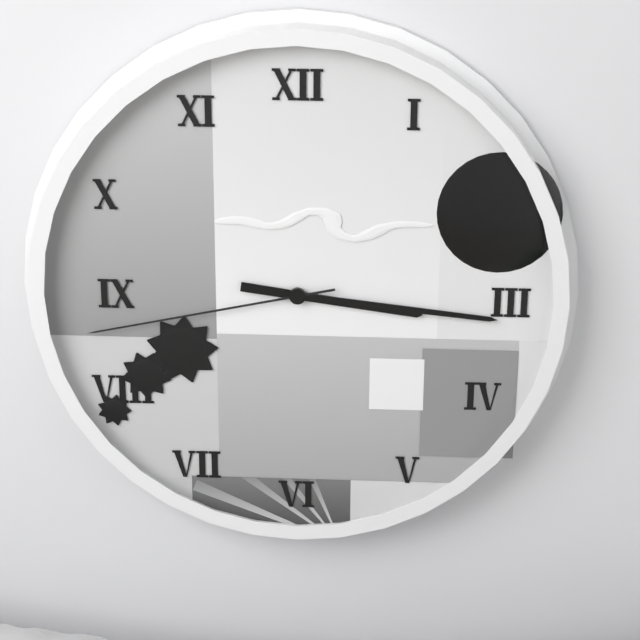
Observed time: **3:16:43**
